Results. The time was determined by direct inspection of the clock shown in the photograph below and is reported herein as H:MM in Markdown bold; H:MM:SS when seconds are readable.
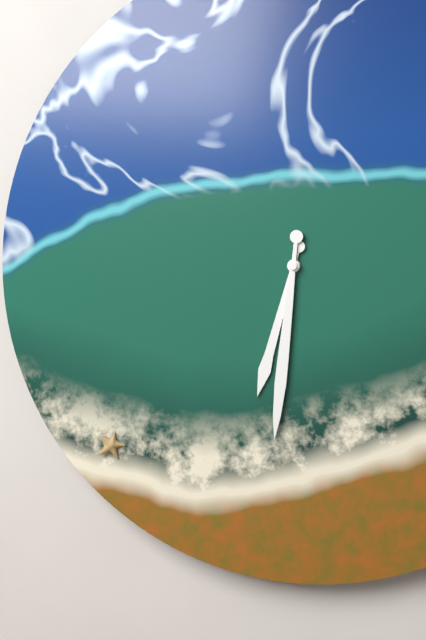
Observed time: **6:31**
